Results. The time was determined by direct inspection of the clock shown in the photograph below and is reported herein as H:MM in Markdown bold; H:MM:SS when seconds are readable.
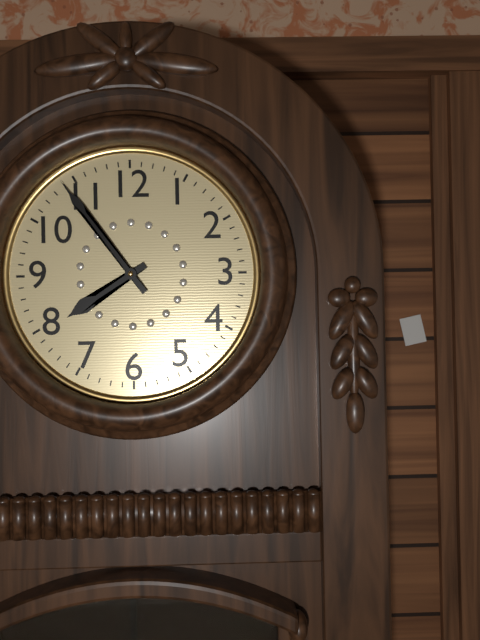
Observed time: **7:54**
